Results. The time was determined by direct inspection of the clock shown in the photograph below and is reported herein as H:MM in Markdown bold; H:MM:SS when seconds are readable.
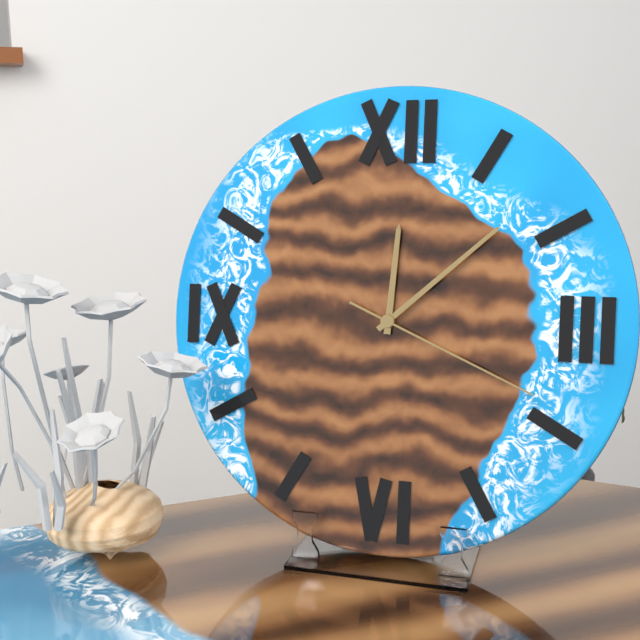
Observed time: **12:08:19**
